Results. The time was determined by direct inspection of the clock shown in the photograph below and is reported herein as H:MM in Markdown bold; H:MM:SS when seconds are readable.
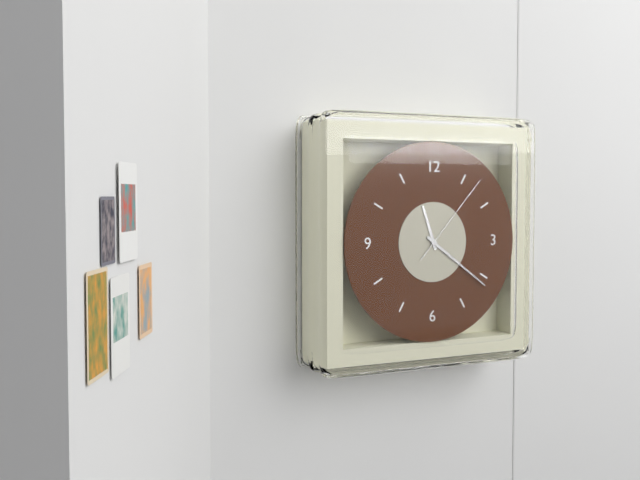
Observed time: **11:21:07**
